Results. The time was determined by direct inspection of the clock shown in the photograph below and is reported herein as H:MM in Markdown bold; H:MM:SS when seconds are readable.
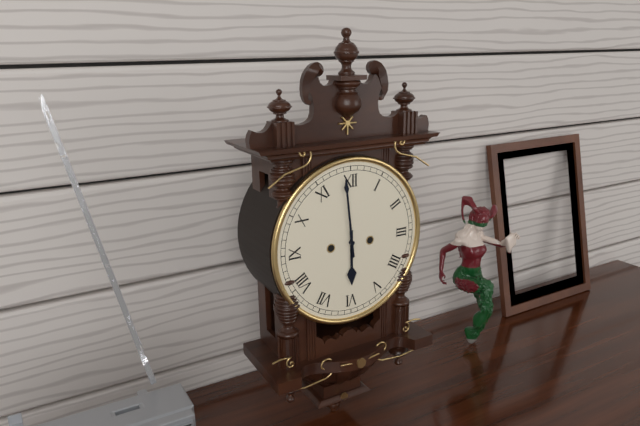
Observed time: **5:59**
